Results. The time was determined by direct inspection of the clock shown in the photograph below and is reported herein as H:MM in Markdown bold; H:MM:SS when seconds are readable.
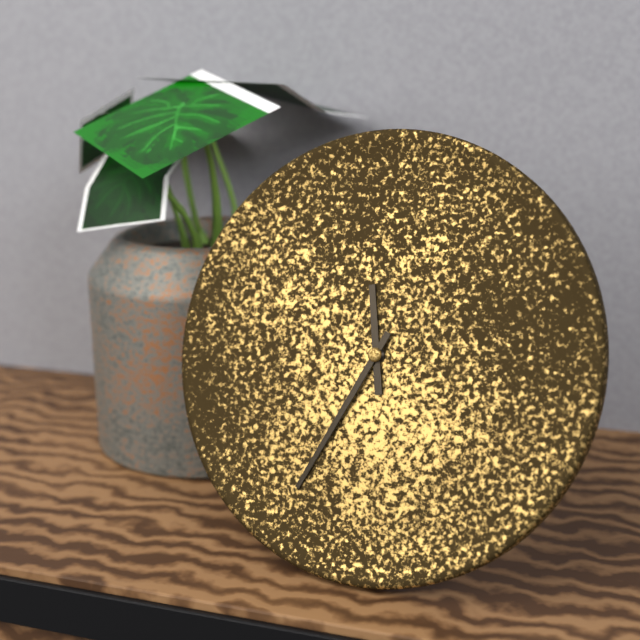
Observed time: **11:34**
